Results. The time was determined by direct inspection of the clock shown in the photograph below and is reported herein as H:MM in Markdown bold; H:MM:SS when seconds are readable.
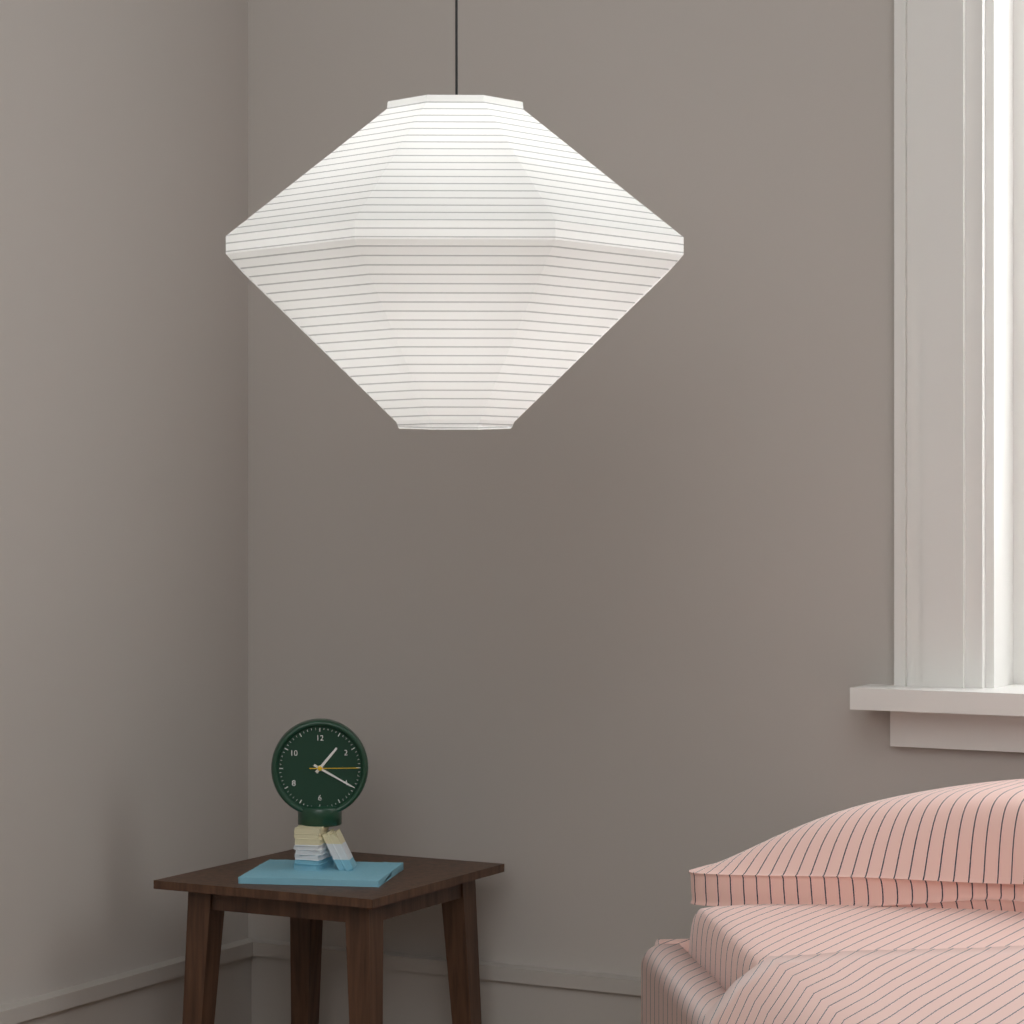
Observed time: **1:20**
